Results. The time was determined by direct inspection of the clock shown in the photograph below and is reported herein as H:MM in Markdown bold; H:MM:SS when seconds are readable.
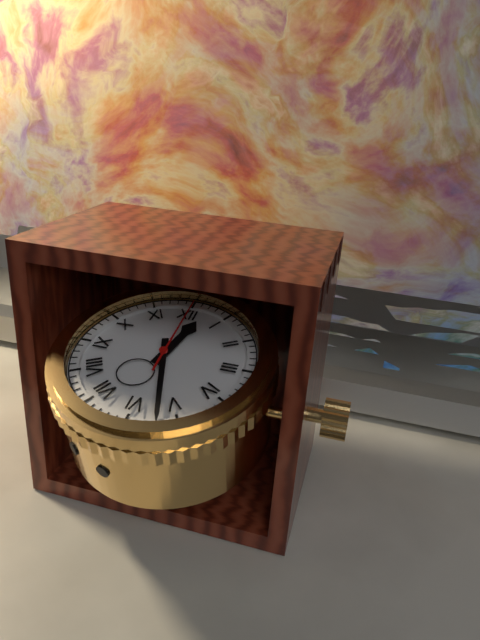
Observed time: **12:27:00**
